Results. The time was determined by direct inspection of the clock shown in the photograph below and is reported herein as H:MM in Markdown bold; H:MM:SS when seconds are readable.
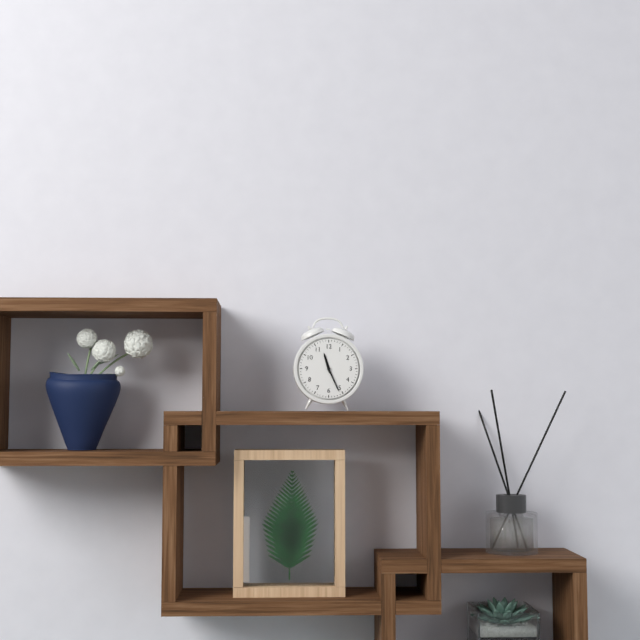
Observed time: **11:26**
